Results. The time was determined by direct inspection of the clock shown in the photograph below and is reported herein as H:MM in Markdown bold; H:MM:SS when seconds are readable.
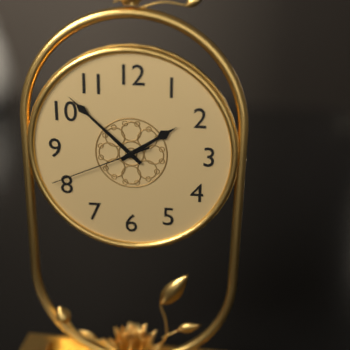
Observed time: **1:52:41**
